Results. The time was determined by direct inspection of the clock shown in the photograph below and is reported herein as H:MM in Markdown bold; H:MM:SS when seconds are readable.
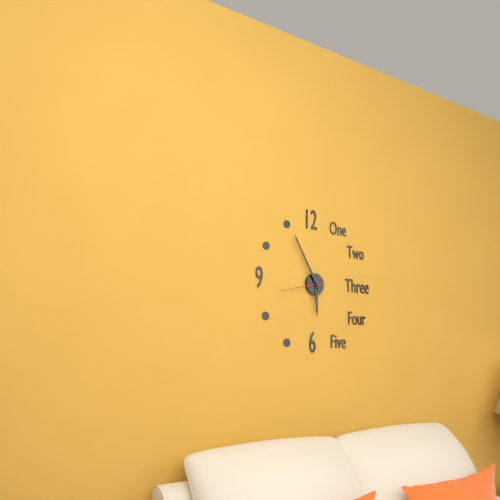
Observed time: **5:55**
